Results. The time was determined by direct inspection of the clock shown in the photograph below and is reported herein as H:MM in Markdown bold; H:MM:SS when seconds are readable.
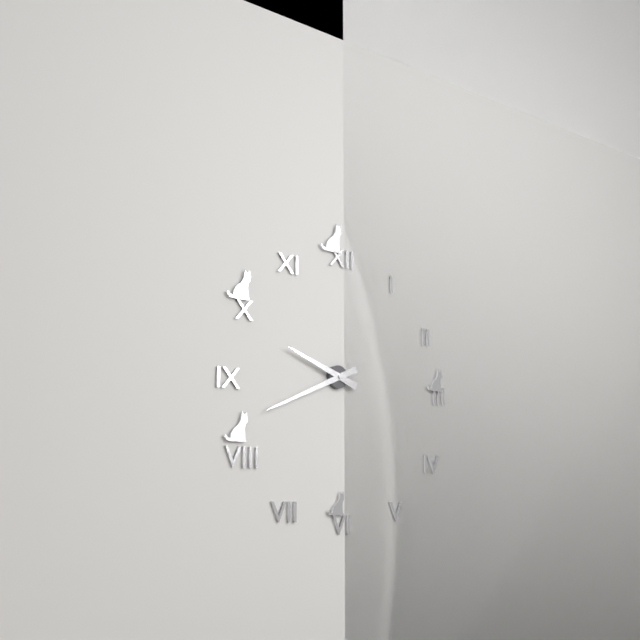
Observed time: **9:41**
